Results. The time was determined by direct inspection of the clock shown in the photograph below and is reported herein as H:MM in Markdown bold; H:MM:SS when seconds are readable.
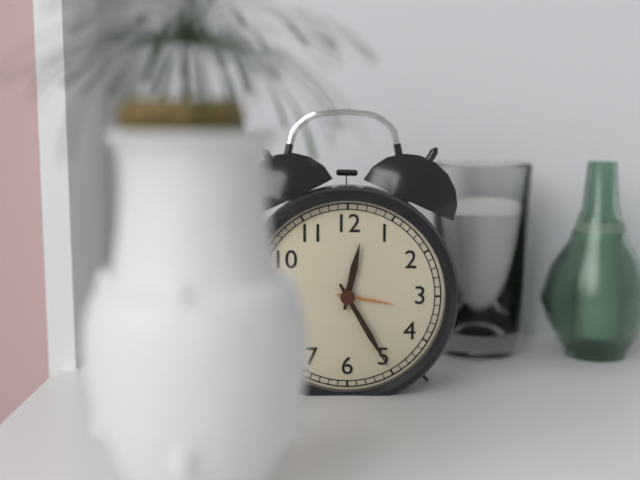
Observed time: **12:25**
